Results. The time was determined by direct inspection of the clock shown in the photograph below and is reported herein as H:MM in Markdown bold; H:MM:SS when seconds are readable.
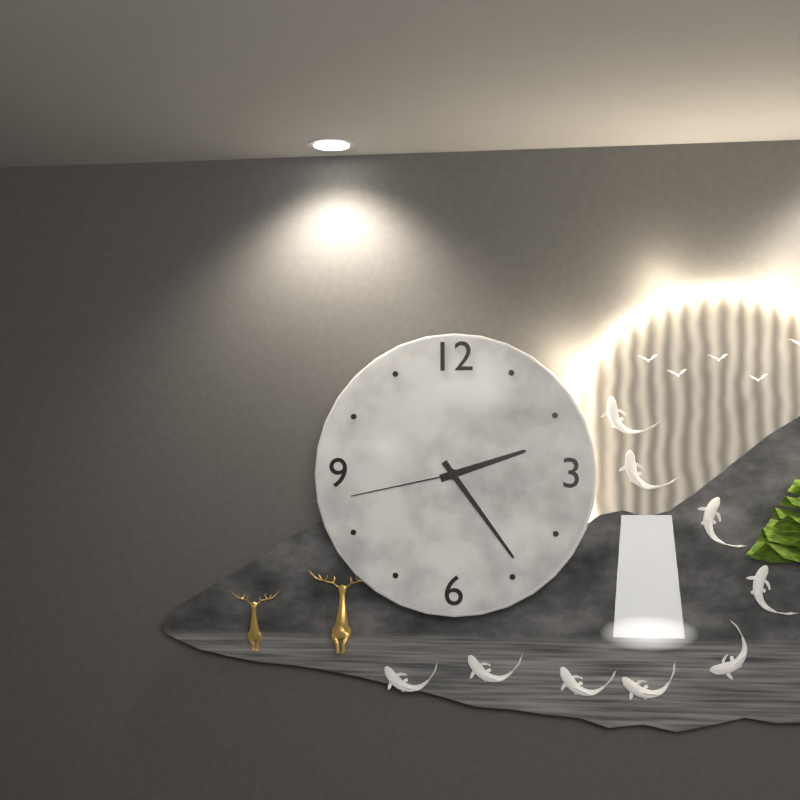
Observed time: **2:24:43**
